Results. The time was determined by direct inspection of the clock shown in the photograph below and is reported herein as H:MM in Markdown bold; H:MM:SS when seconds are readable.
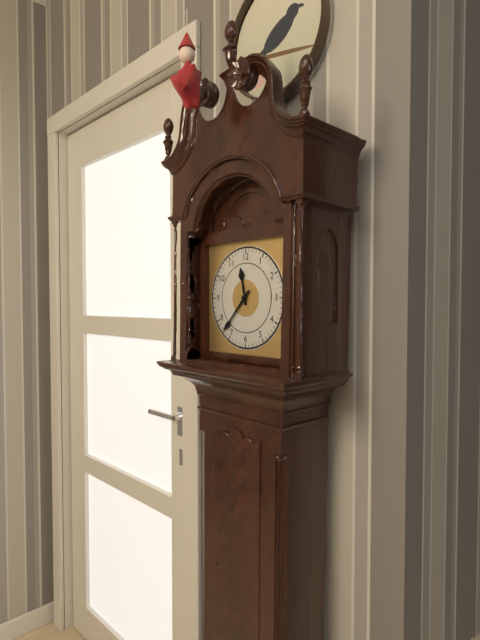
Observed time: **11:37**
